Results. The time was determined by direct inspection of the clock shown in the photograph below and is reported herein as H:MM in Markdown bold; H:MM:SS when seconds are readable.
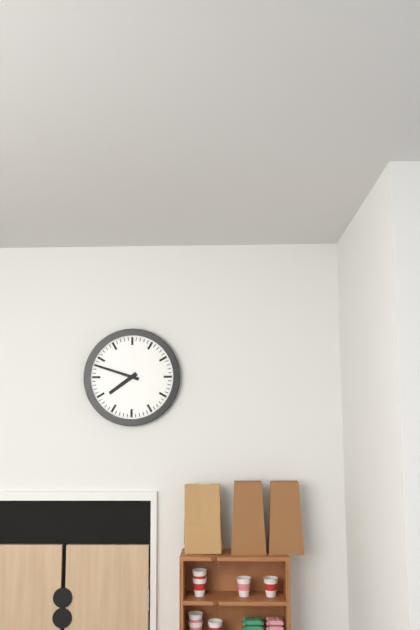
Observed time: **7:48**
